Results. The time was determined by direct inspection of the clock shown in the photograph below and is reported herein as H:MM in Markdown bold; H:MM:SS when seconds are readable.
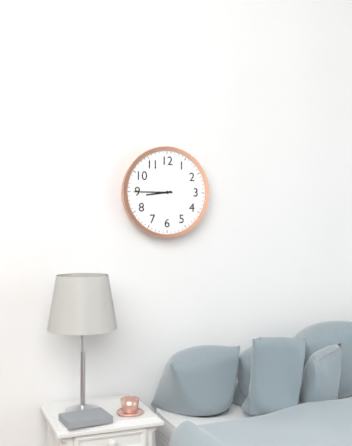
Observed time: **8:45**
